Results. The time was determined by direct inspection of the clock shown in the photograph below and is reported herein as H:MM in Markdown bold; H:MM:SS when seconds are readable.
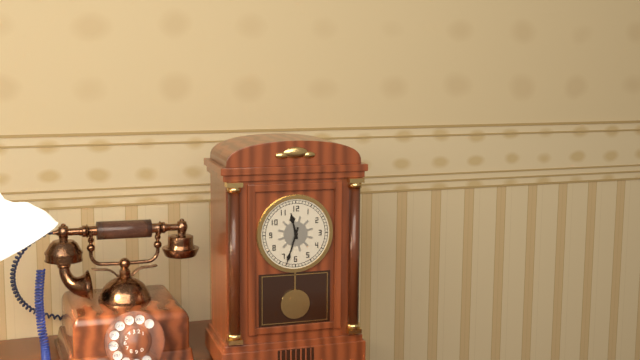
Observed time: **11:33**
